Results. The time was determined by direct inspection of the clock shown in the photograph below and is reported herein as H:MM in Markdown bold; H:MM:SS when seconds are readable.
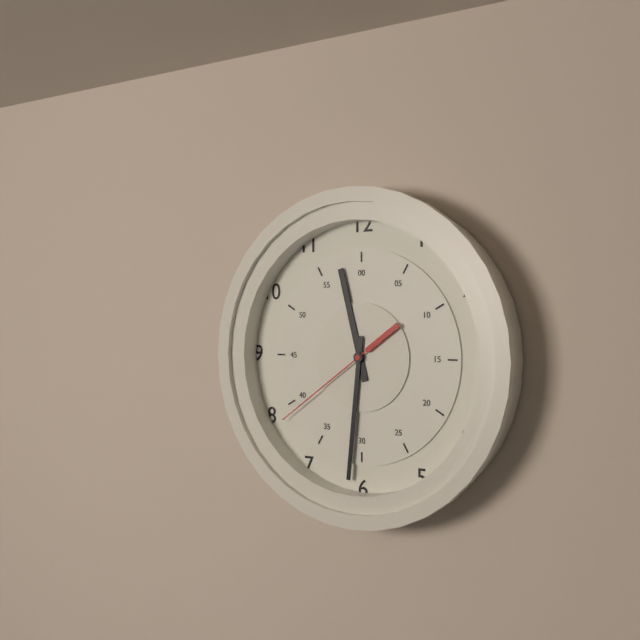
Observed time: **11:31:39**
